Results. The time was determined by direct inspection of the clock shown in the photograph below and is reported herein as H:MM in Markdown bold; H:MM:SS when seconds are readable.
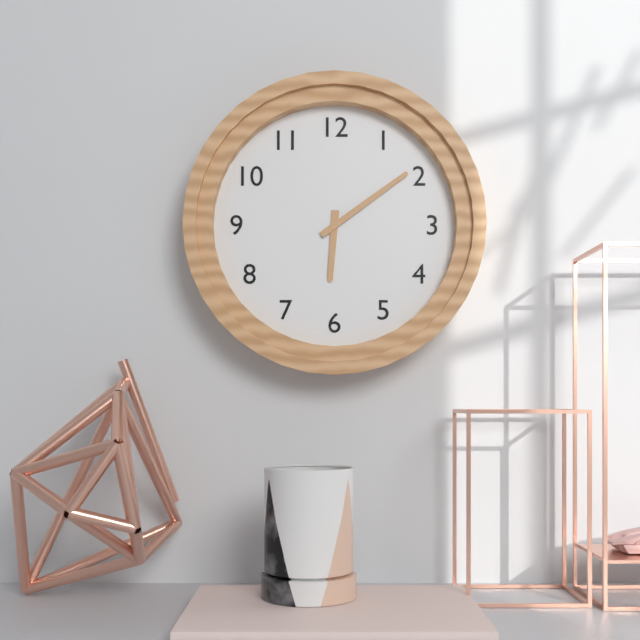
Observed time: **6:09**
